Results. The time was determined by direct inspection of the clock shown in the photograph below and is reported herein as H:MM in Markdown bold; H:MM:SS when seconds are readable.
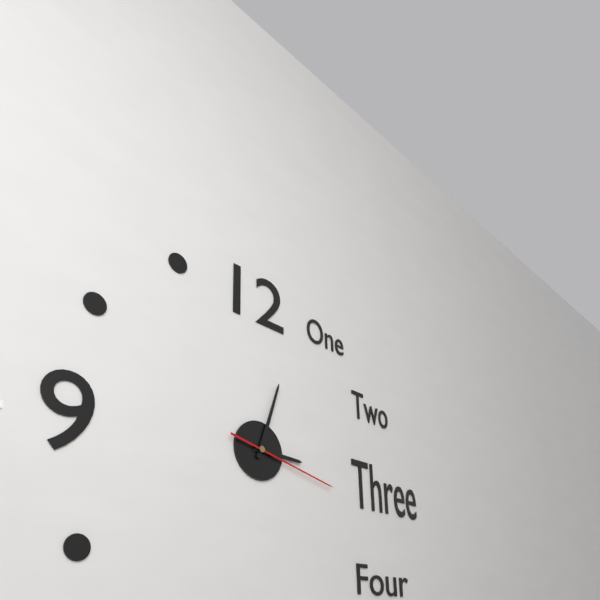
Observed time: **3:03:17**
